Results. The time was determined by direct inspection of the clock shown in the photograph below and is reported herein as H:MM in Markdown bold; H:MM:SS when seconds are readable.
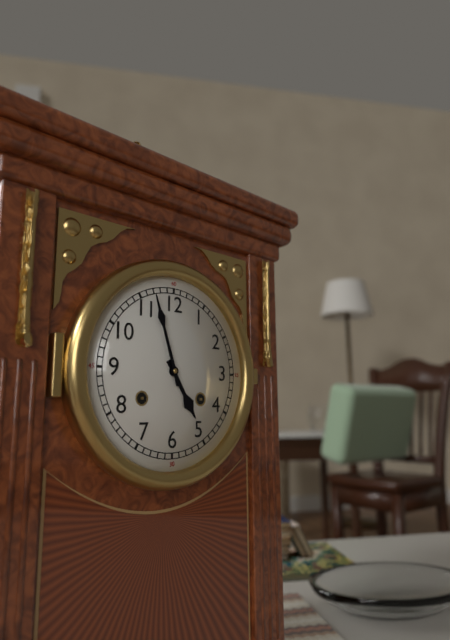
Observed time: **4:57**
